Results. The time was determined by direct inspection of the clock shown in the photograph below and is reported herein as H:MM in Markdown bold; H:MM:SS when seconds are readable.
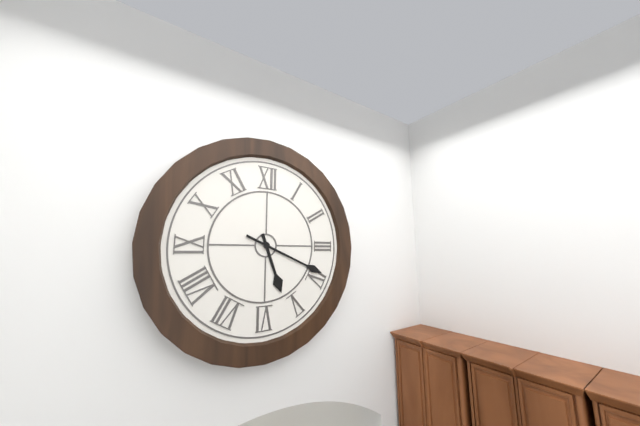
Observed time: **5:19**
